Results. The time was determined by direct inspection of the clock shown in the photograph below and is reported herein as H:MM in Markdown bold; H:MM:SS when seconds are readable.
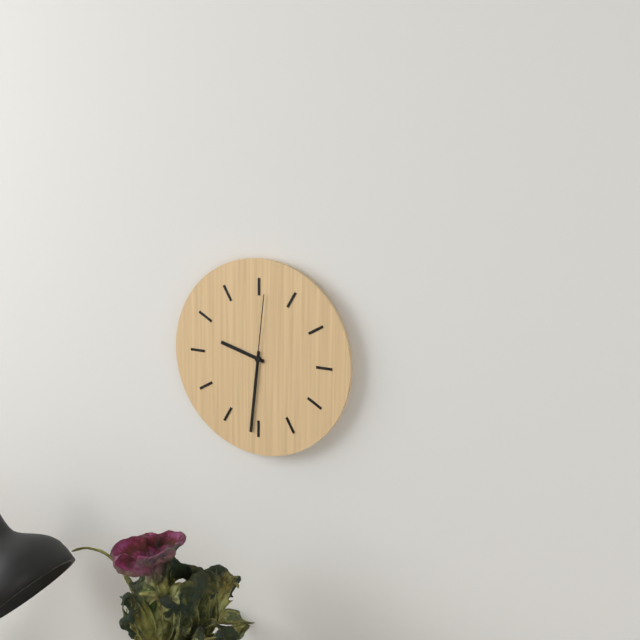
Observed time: **9:31:01**
